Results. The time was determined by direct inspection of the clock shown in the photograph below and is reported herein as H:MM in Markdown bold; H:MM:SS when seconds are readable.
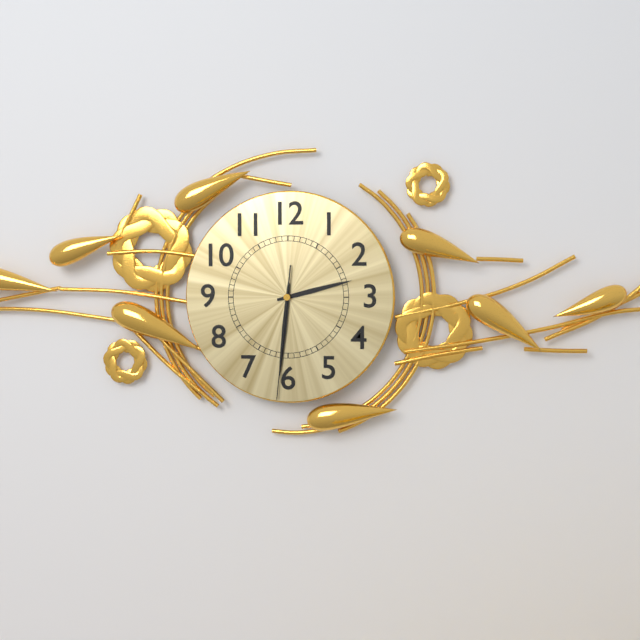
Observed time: **2:31:31**
